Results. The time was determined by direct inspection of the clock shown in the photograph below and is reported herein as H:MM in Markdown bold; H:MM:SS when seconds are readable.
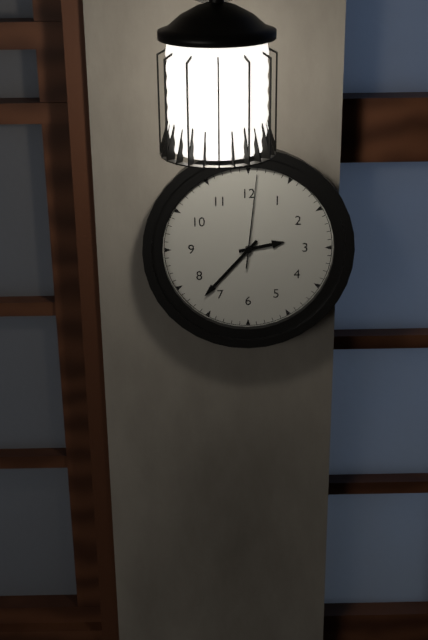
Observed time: **2:37:01**
